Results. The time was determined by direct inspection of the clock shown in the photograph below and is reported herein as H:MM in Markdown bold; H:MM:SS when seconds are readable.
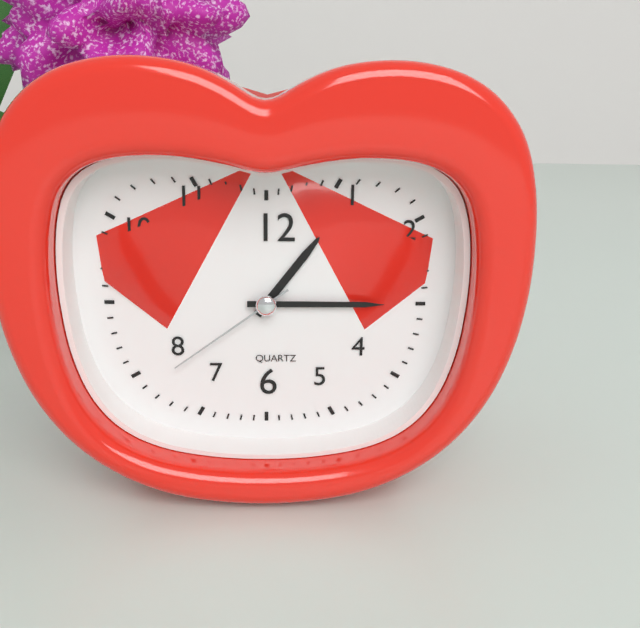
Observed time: **1:15:39**
